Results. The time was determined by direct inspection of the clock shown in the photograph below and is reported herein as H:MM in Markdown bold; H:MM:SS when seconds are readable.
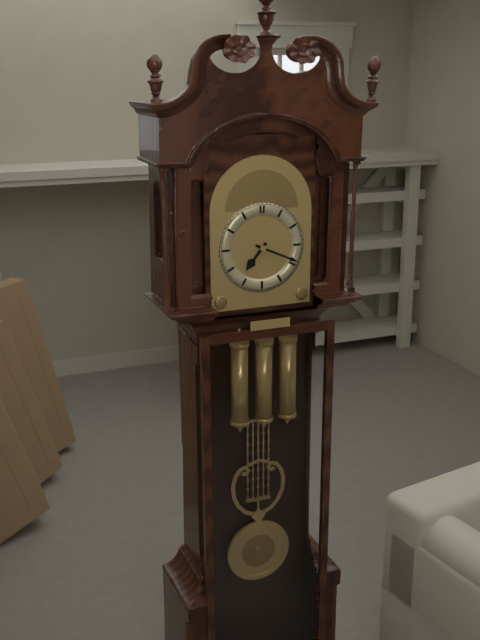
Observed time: **7:19**
